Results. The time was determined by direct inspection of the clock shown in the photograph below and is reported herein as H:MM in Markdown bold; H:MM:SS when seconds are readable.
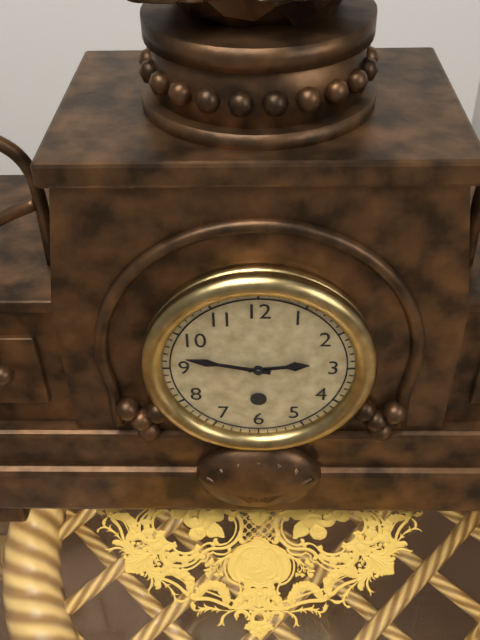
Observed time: **2:47**
